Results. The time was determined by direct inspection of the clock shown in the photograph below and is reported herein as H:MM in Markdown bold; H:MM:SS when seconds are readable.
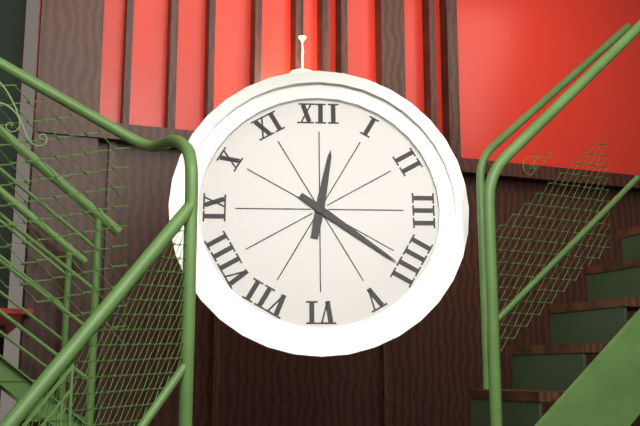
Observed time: **12:21**
